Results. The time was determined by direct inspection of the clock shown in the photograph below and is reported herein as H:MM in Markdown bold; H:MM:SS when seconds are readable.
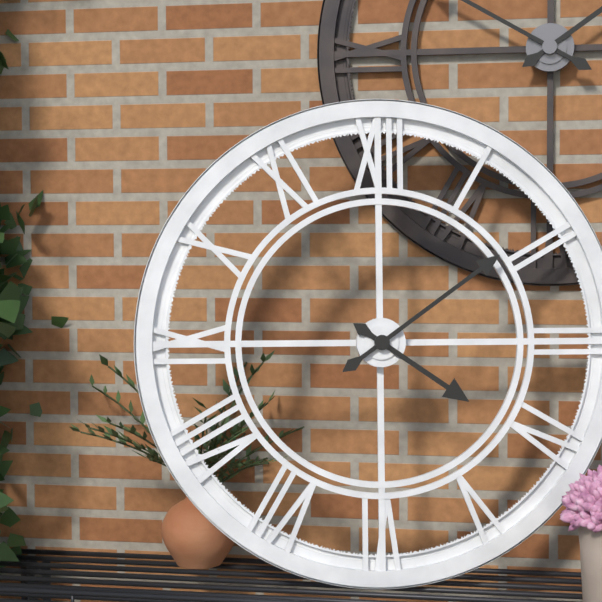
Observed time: **4:09**
